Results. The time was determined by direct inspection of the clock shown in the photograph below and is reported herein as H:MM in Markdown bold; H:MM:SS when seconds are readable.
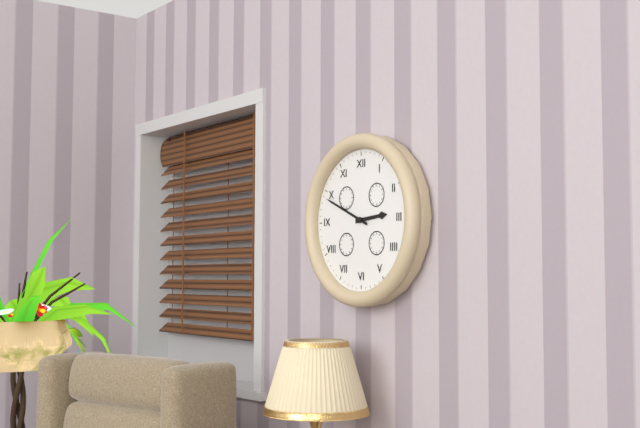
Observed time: **2:49**
